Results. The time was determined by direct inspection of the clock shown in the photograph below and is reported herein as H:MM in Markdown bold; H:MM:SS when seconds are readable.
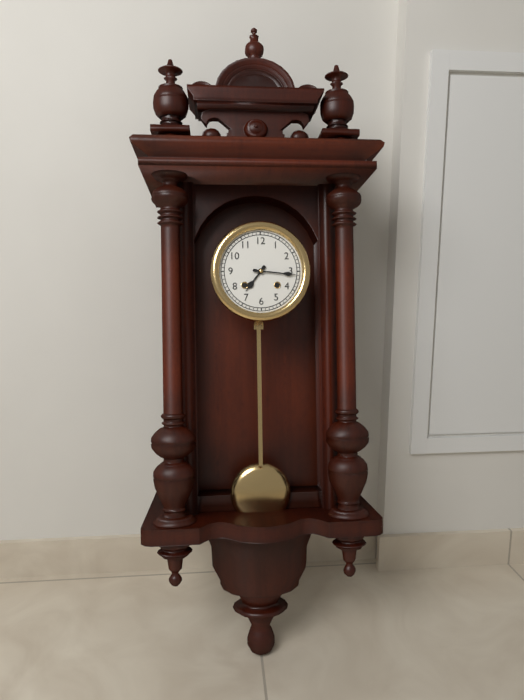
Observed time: **7:16**
